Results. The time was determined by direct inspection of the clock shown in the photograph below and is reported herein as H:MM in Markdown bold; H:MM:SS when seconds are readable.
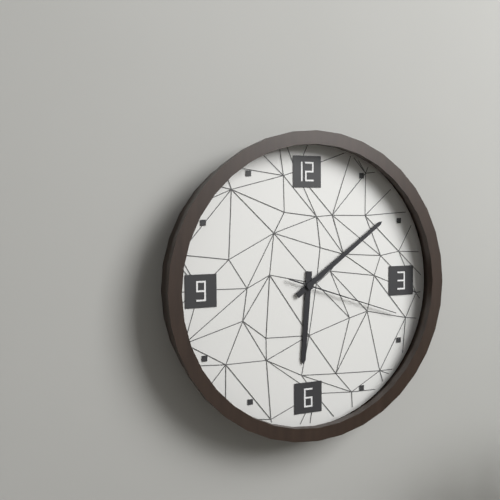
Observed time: **6:09:18**
